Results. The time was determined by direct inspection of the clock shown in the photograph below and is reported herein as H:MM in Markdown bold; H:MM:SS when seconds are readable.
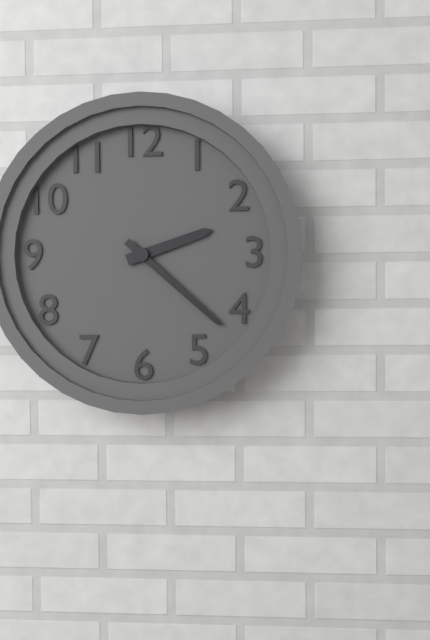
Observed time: **2:22**
